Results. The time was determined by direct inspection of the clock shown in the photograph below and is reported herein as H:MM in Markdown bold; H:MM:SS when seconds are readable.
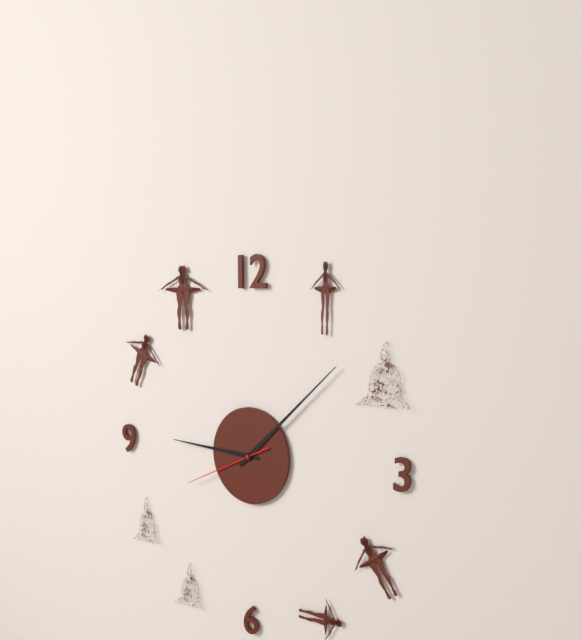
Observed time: **9:08:41**
